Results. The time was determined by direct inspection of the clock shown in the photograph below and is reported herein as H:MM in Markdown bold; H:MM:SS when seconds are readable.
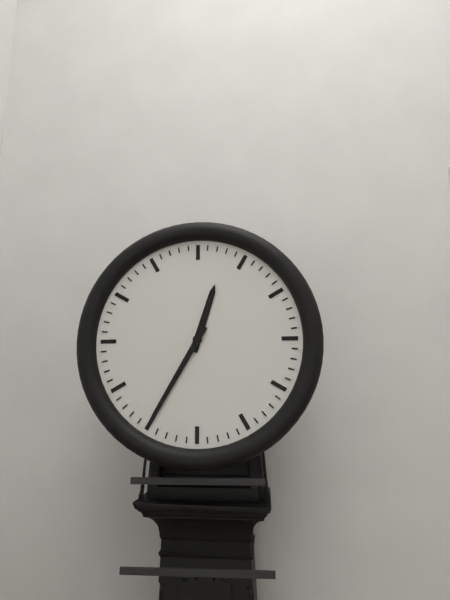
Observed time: **12:35**
